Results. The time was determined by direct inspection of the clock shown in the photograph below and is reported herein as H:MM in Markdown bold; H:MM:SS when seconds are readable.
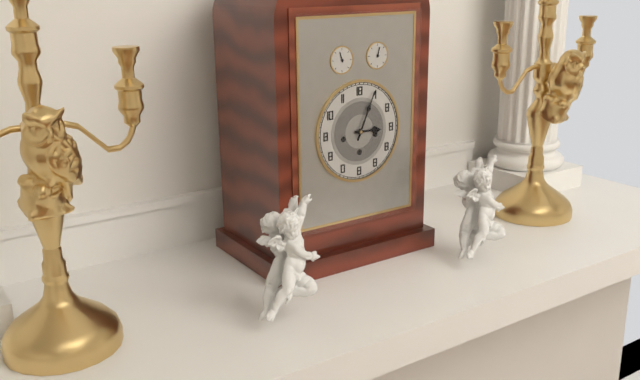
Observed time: **3:04**
